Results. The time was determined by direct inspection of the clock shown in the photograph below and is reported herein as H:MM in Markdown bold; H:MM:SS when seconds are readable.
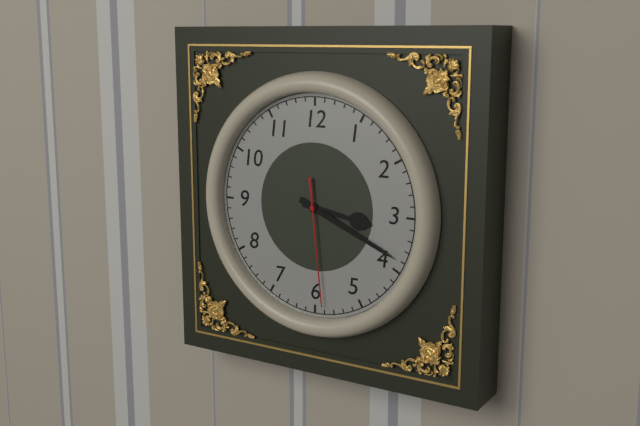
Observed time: **3:19:29**
